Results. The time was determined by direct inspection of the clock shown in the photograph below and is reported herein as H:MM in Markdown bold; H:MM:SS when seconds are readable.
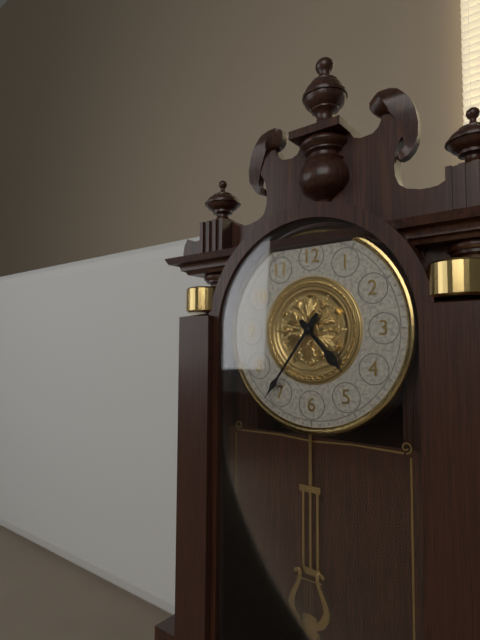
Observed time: **4:36**
